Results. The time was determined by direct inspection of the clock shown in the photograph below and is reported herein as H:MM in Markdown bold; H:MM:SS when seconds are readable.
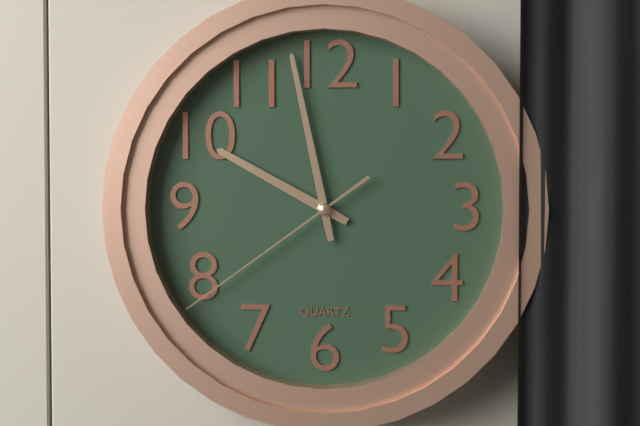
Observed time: **9:58:39**
